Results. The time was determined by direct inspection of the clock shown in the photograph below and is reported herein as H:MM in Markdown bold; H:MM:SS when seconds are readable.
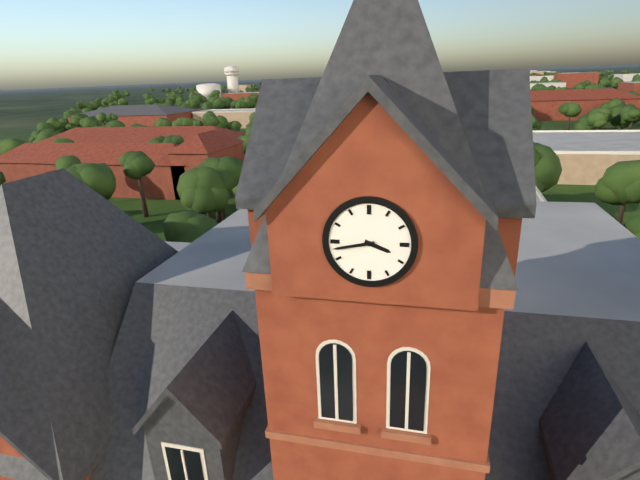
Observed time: **3:43**
